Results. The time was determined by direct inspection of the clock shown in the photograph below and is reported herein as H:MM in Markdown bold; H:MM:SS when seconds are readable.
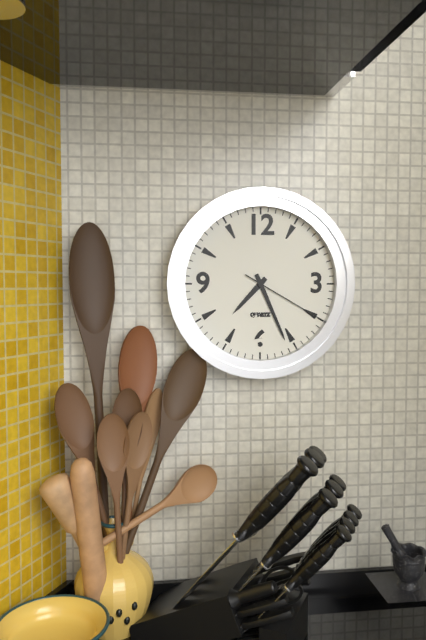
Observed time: **7:26:20**
